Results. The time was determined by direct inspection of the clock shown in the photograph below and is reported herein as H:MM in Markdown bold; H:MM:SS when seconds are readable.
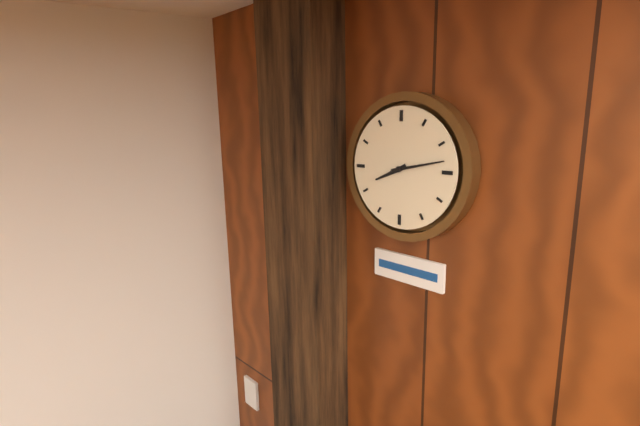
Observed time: **8:13**
